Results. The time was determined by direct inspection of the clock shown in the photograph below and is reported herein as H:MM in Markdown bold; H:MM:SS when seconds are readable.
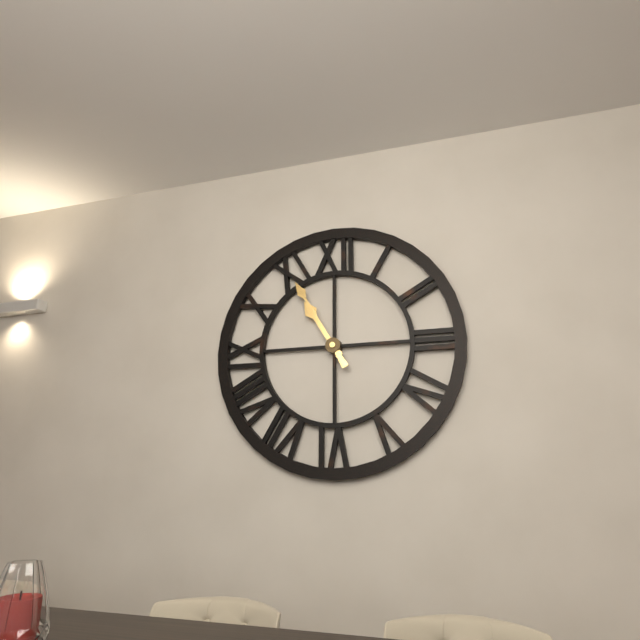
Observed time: **10:55**
